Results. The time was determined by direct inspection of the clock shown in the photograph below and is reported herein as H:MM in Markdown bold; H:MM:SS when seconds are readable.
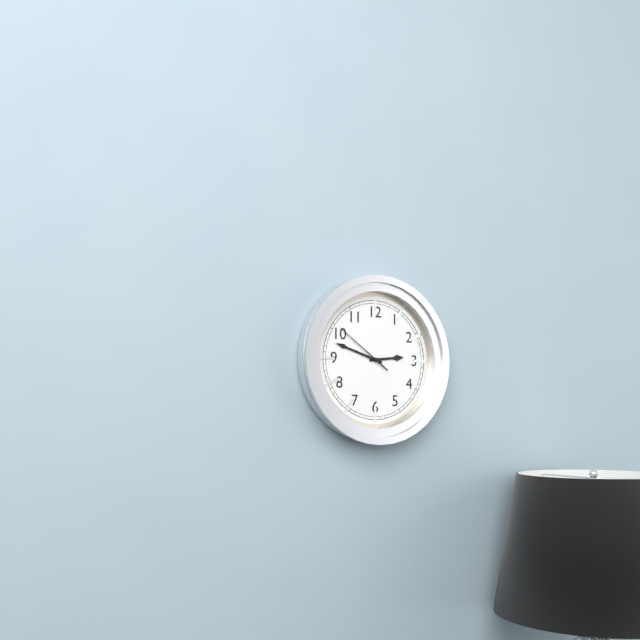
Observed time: **2:48:51**
